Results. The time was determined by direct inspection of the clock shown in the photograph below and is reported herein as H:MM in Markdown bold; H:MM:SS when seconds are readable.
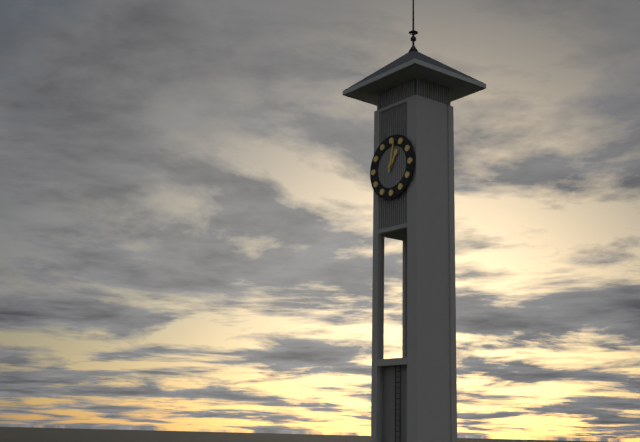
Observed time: **1:02**
